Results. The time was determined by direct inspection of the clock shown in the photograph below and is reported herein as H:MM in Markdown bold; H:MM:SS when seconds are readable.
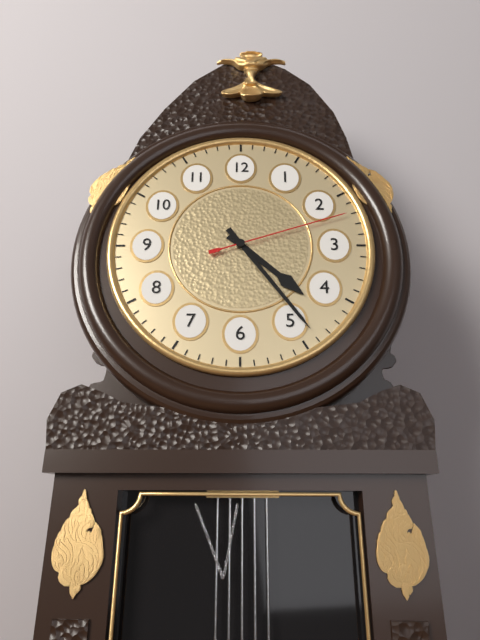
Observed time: **4:24:12**
